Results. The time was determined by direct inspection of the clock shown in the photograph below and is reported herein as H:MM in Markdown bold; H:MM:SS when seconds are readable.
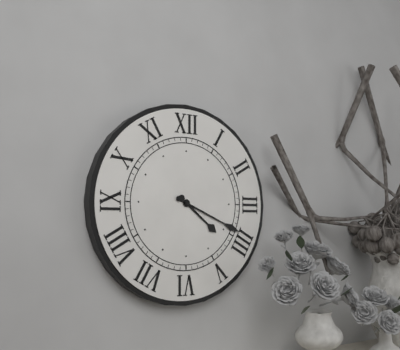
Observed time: **4:19**
